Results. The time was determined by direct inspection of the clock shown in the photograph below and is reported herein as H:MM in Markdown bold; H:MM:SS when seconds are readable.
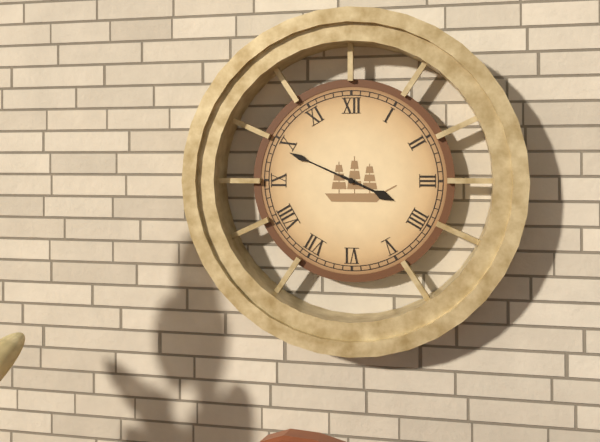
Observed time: **3:49**
